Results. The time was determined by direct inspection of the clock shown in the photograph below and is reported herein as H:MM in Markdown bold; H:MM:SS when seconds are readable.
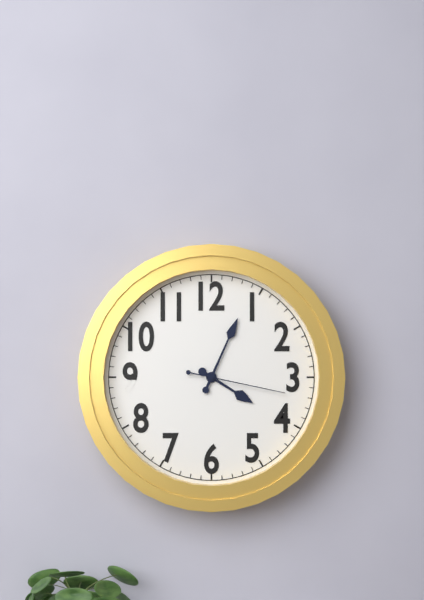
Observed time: **4:04:17**
